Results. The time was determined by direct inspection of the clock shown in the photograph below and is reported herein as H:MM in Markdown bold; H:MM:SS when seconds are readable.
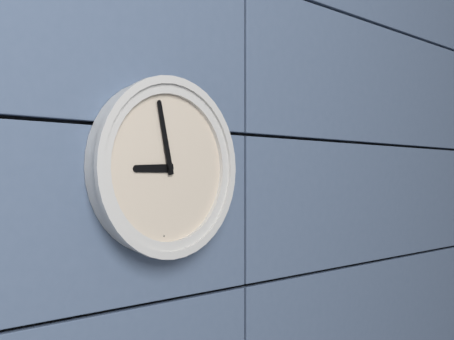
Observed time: **8:58**
